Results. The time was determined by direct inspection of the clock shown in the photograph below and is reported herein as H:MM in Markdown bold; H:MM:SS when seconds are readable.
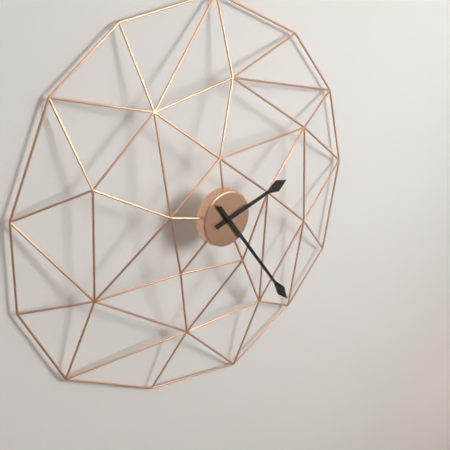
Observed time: **2:24**
